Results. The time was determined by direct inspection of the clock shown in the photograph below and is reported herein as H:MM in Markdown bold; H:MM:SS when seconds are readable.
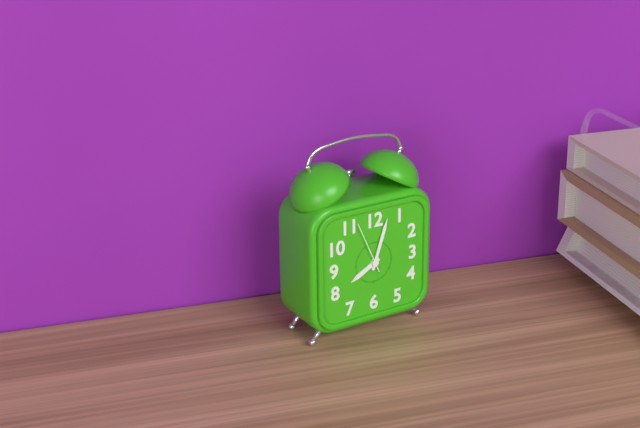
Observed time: **8:03**
